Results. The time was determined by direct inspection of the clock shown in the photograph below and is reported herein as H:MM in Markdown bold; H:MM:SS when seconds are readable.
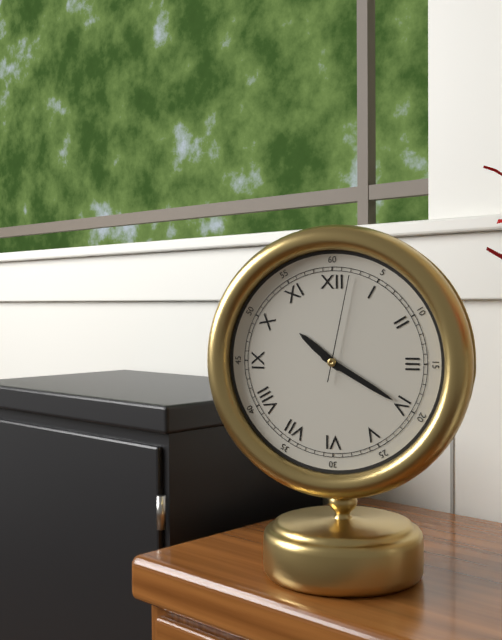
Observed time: **10:20:02**
